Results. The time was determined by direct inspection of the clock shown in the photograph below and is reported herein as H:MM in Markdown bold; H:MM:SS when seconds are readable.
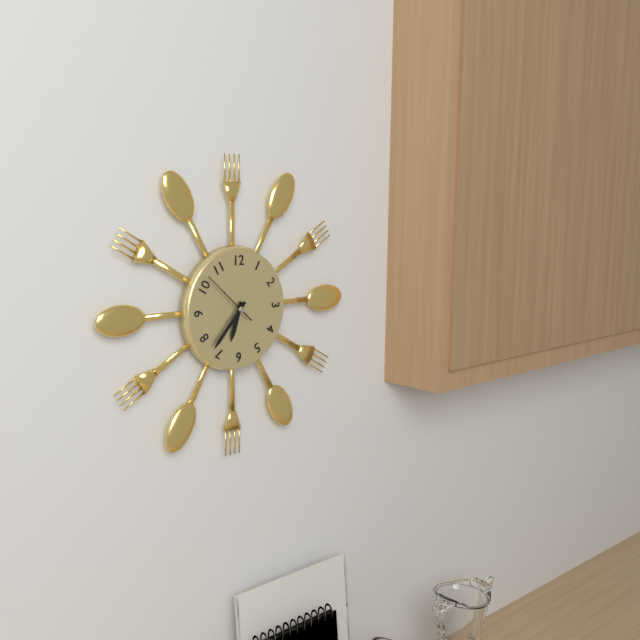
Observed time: **6:37:52**
